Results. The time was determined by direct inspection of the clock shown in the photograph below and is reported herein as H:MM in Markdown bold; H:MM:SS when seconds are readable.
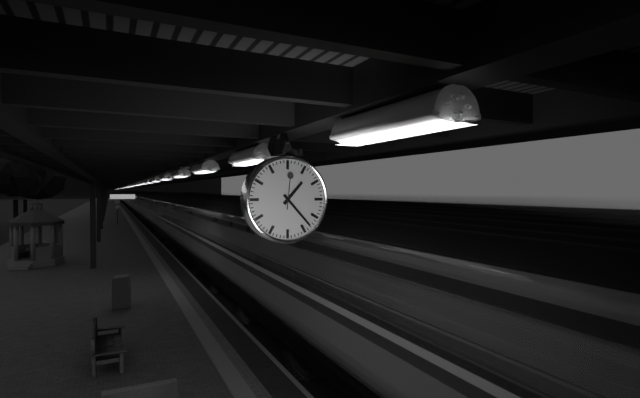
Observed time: **1:23**
